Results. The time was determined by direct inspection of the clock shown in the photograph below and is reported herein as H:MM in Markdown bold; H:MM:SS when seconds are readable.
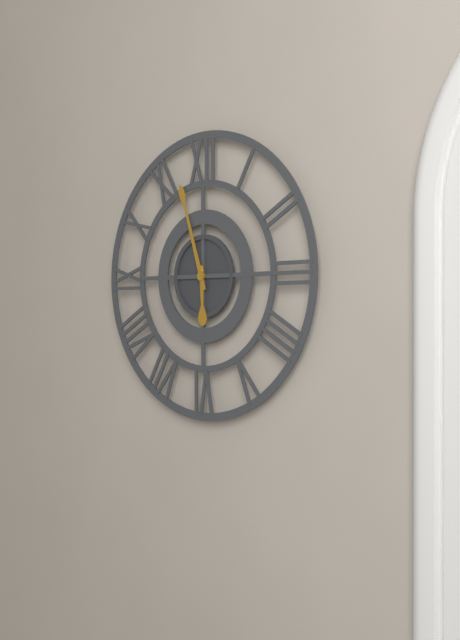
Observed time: **5:57**
